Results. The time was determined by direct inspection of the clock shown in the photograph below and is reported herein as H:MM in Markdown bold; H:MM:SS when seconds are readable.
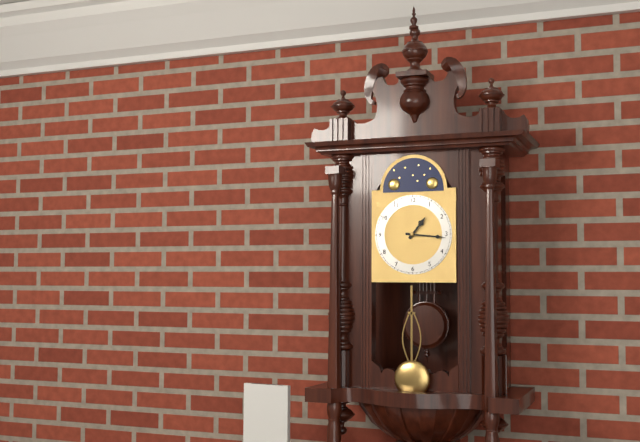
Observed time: **1:16**
